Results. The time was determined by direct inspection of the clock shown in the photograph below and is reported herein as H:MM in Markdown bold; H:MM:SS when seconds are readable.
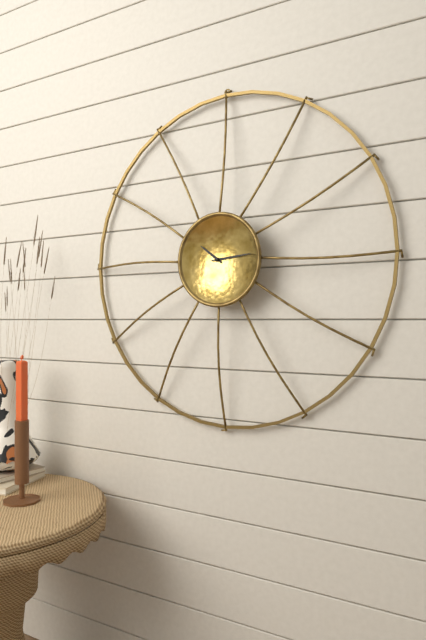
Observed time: **10:14**
